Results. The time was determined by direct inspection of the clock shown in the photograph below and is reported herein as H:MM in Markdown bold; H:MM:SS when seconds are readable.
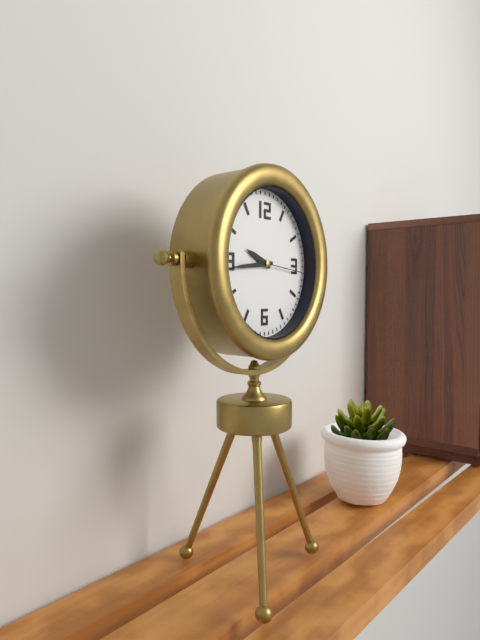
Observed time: **9:44:16**
